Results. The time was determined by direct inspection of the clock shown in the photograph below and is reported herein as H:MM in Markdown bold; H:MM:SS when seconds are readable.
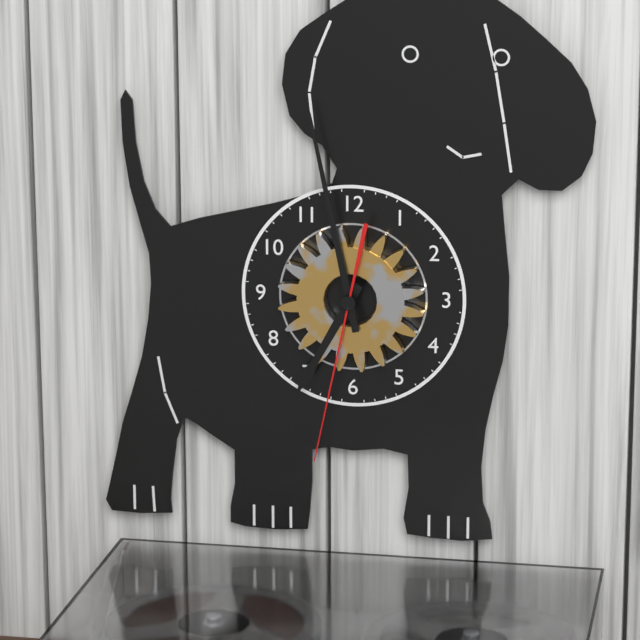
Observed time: **6:58:32**
